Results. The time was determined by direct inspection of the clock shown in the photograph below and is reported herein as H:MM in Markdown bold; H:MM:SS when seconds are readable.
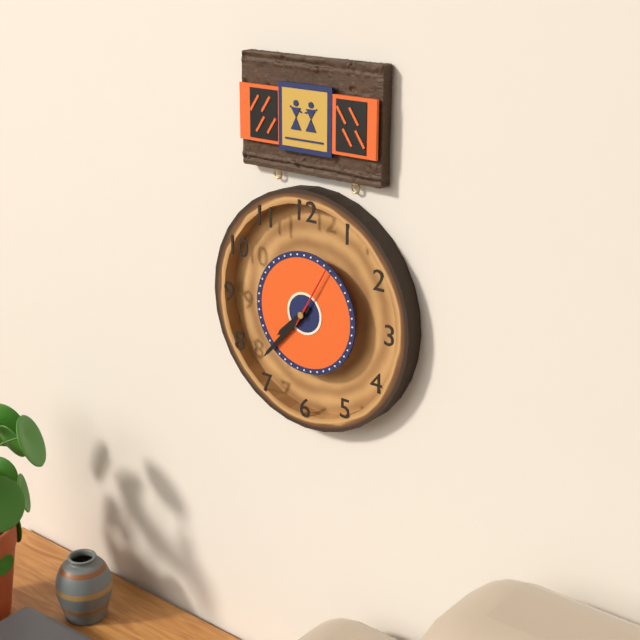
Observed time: **7:37:05**
